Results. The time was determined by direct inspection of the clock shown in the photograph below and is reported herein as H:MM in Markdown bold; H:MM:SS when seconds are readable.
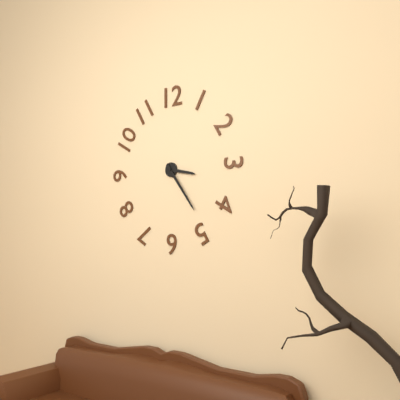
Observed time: **3:24**
